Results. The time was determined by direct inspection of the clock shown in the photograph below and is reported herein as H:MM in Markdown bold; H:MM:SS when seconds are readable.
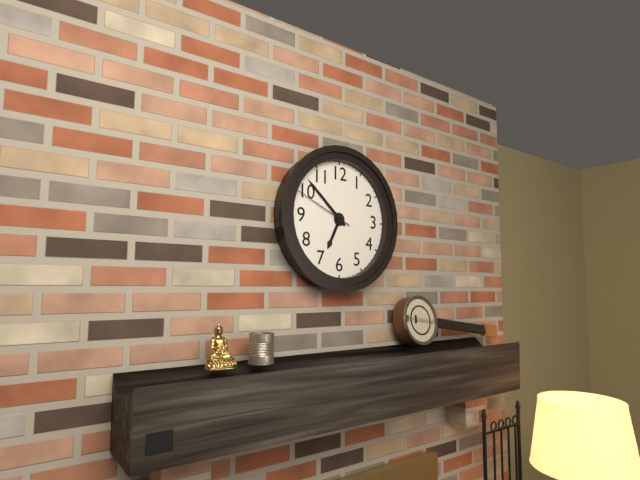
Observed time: **6:52:49**
